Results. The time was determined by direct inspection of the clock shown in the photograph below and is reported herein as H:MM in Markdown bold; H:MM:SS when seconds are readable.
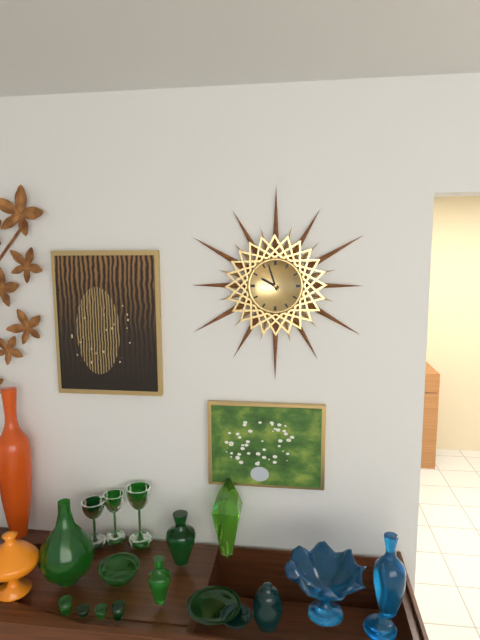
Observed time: **9:57**
